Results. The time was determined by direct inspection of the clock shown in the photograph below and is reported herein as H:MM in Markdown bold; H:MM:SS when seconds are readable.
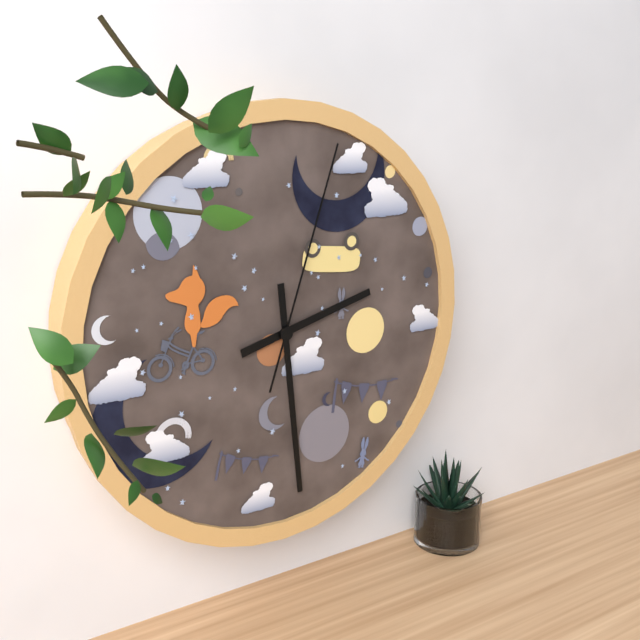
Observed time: **2:29:03**
